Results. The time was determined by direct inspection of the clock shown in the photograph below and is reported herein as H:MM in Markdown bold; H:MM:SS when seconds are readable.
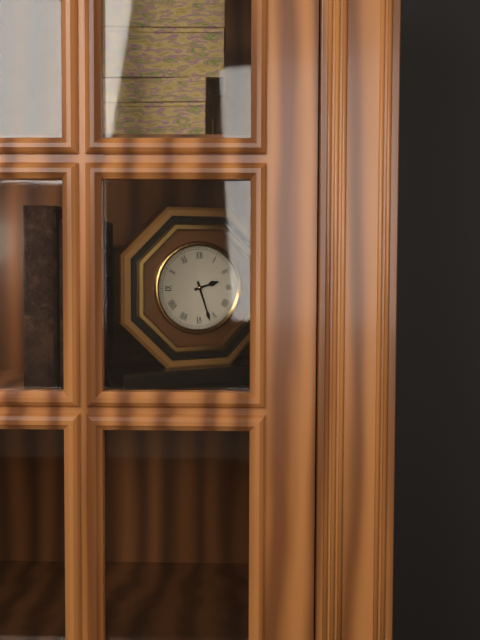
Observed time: **2:27**
